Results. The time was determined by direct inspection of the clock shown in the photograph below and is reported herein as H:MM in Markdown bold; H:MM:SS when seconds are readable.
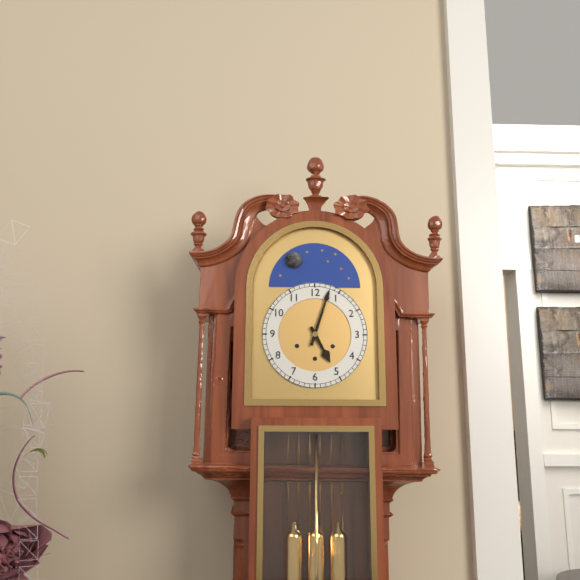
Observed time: **5:03**
